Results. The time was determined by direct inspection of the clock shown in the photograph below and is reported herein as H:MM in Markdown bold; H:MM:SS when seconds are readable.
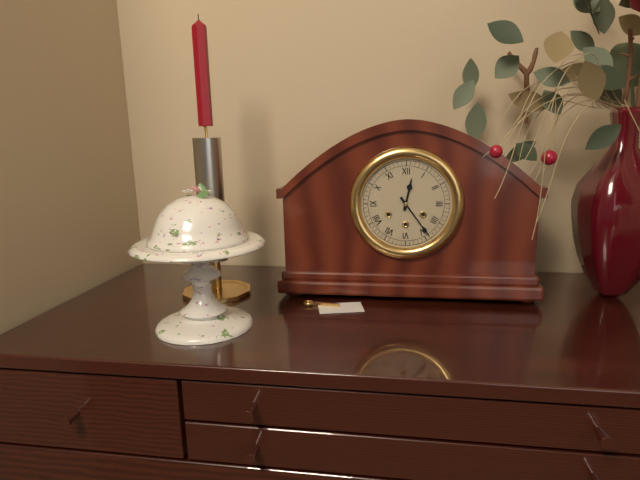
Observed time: **12:24**
